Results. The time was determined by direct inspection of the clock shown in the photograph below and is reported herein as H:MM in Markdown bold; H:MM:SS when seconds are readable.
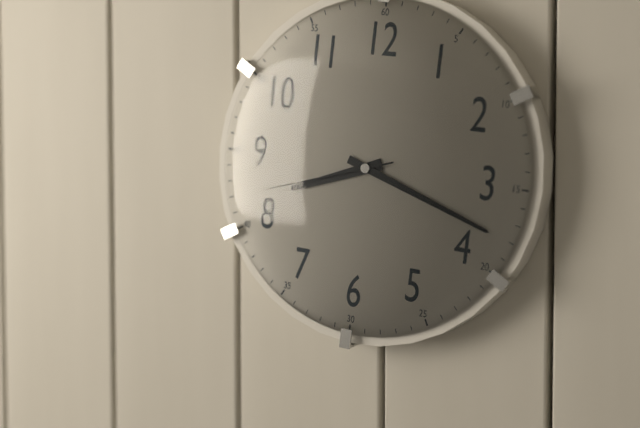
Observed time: **8:18:42**
